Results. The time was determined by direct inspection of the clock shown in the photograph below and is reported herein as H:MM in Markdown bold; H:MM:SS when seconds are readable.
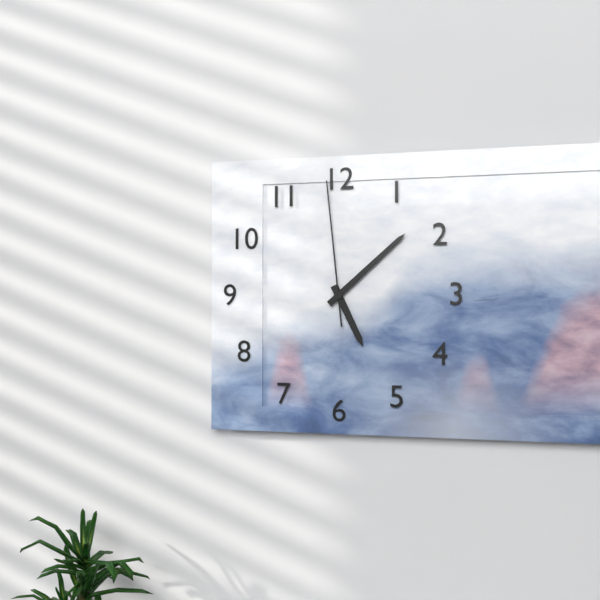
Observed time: **5:08:59**
